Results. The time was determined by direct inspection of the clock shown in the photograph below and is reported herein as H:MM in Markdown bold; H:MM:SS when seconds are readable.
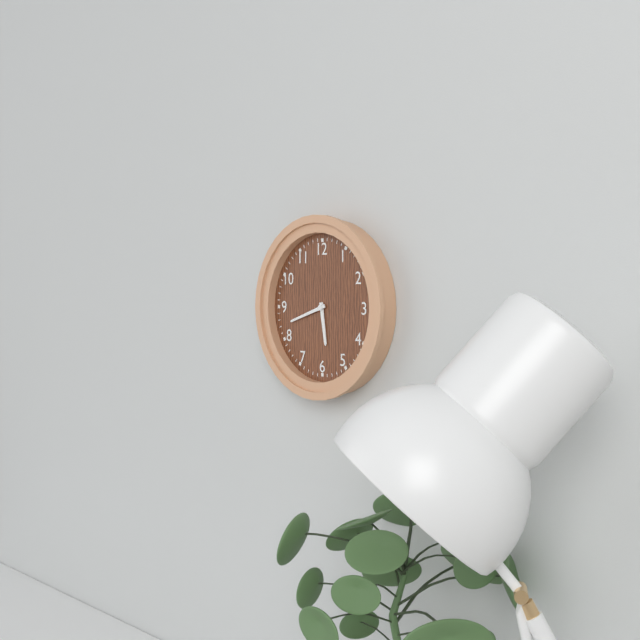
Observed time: **5:42**
